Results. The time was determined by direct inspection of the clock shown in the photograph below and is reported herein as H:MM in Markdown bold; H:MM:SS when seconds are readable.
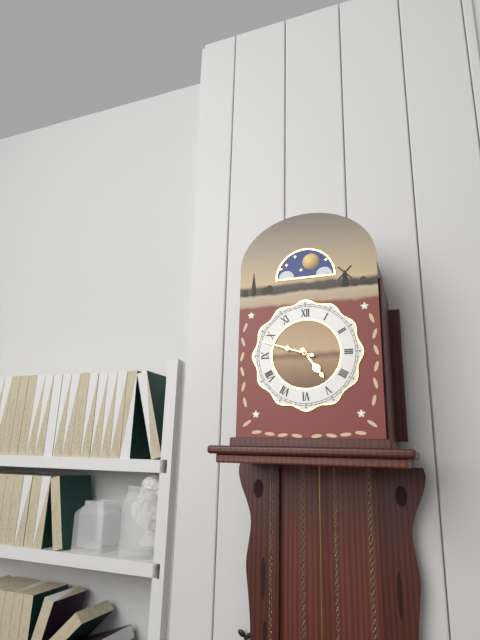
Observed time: **4:48**
